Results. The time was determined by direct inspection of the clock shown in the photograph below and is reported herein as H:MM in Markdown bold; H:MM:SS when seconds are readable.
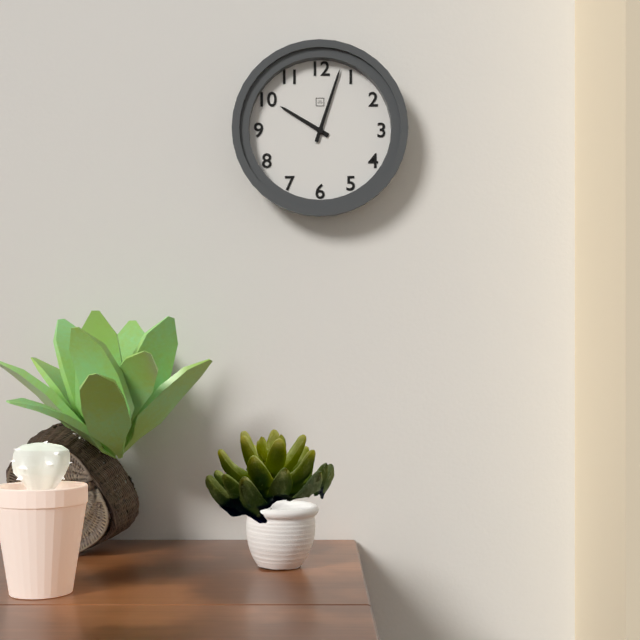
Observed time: **10:03**
